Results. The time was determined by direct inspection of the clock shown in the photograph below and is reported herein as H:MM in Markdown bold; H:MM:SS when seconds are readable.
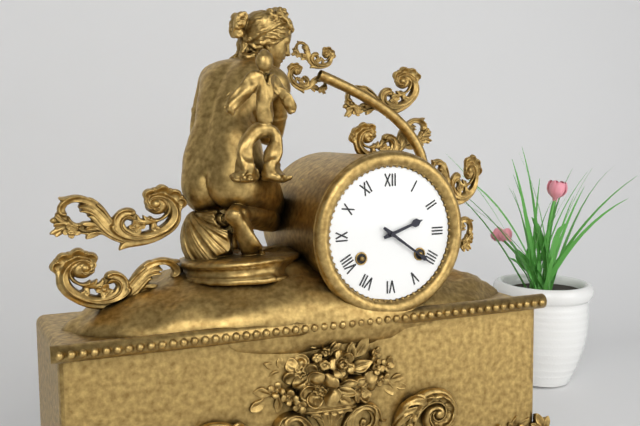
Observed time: **2:21**
